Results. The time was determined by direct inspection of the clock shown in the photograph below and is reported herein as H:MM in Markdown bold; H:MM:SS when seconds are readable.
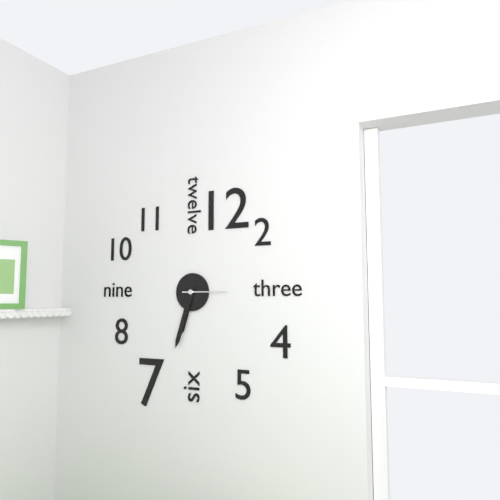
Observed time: **6:33**
